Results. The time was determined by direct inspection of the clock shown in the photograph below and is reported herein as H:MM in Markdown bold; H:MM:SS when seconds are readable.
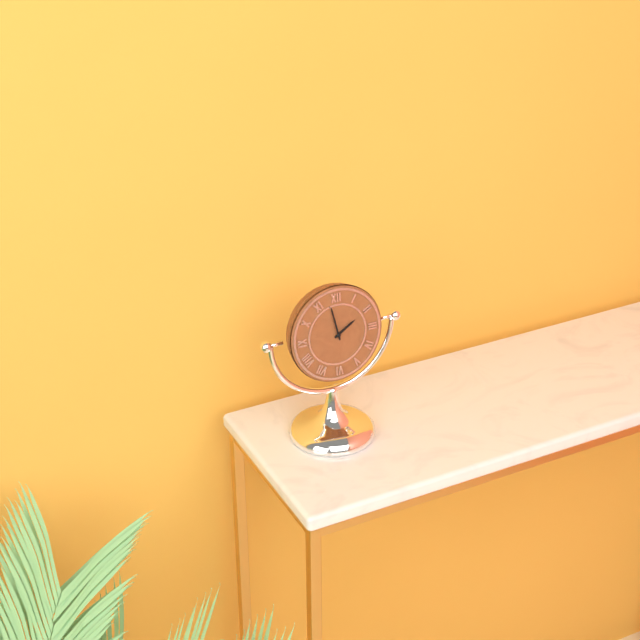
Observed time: **1:58**
